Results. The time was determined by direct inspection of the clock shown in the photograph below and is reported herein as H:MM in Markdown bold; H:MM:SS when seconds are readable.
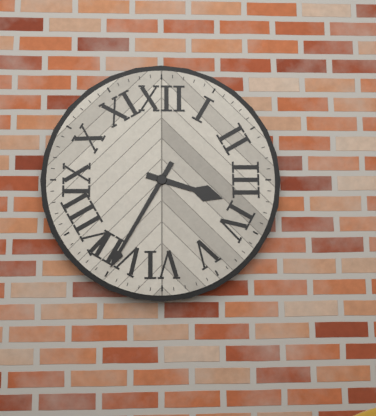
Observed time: **3:35**
